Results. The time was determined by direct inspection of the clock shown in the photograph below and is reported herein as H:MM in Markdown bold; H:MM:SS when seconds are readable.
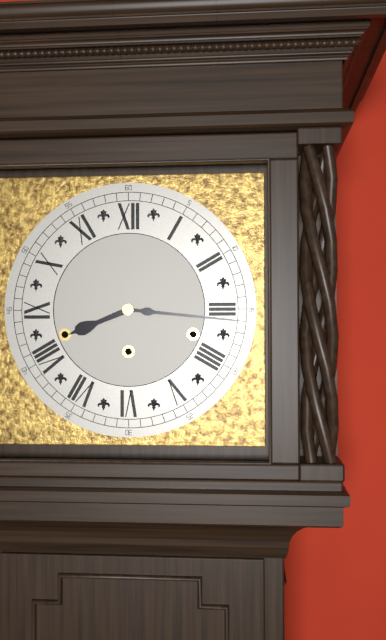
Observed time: **8:16**
